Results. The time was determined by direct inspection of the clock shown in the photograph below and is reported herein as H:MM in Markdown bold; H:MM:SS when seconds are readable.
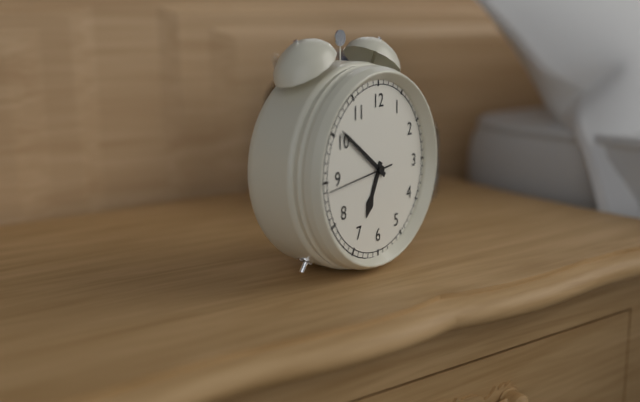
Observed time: **6:51:44**
